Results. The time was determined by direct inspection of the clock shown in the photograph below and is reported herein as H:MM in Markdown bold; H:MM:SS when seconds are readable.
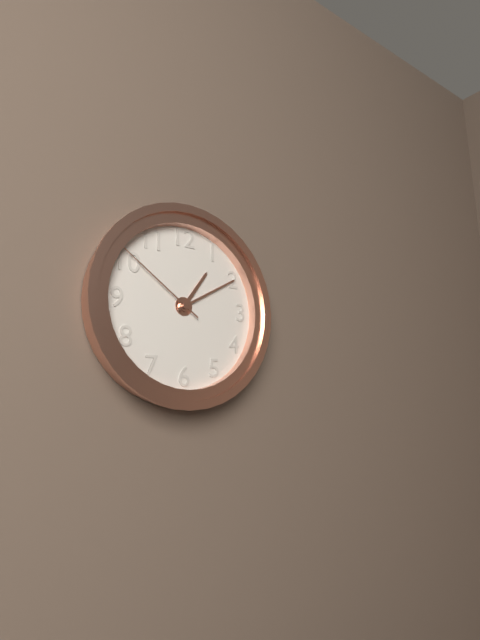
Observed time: **1:10:51**
